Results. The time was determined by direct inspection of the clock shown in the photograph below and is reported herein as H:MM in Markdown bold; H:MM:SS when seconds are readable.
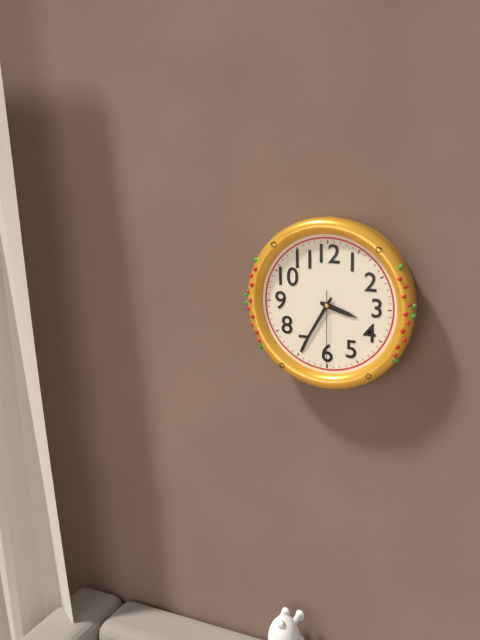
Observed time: **3:35:30**
